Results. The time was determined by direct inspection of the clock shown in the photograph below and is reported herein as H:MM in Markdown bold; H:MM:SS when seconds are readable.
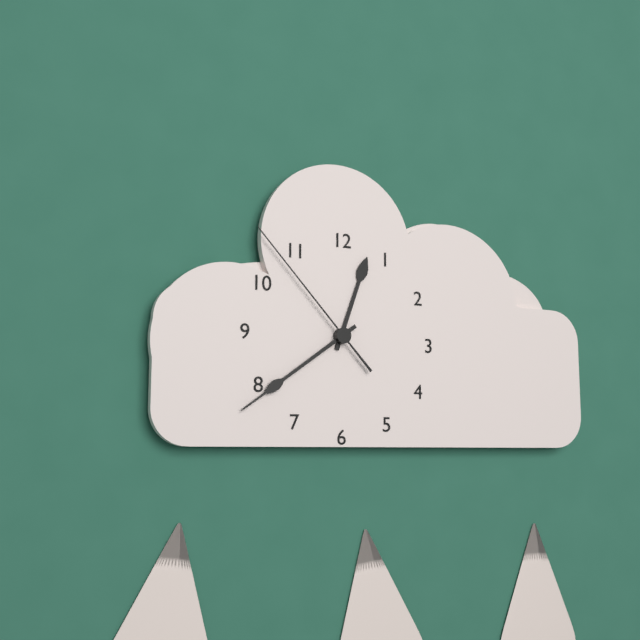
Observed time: **12:39:53**
